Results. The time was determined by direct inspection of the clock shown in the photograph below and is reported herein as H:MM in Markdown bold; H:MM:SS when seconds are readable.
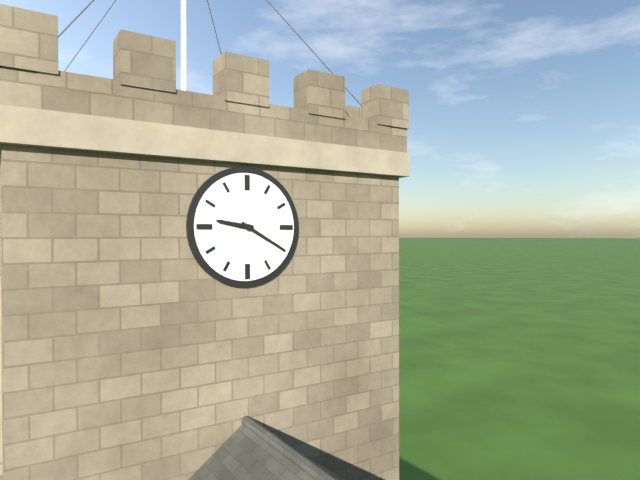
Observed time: **9:20**
